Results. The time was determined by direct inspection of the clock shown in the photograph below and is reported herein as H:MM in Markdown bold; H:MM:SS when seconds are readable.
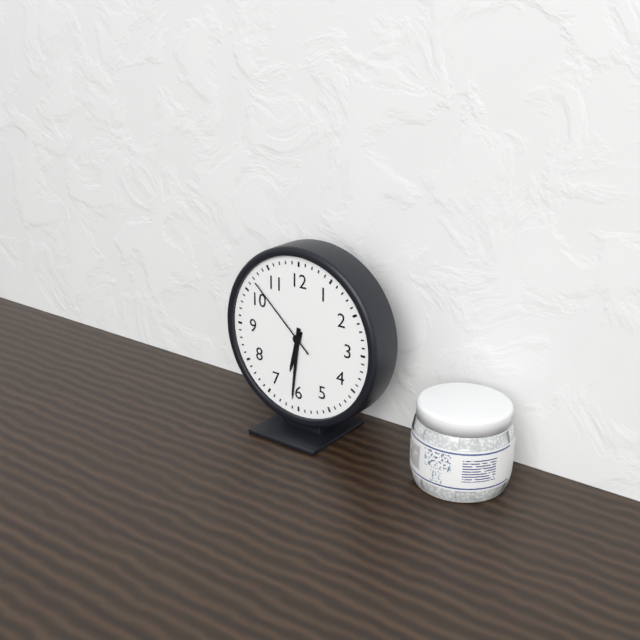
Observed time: **6:31:52**
